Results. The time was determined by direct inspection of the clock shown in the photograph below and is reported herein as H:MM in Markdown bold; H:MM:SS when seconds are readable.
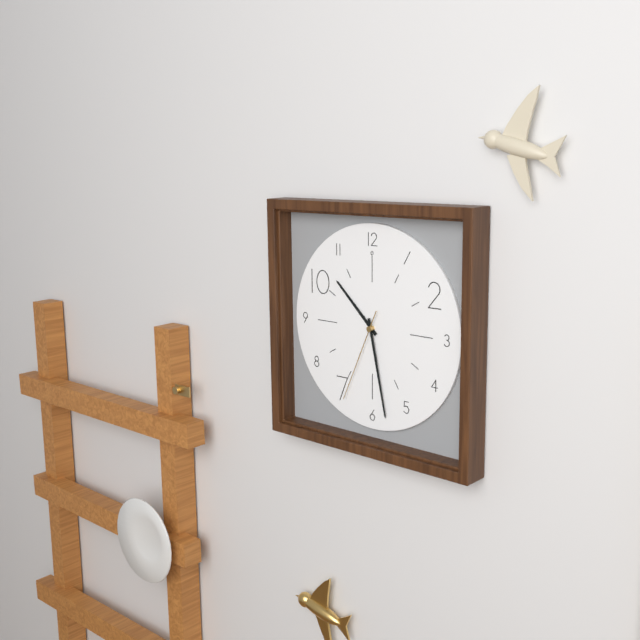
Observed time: **10:28:34**
